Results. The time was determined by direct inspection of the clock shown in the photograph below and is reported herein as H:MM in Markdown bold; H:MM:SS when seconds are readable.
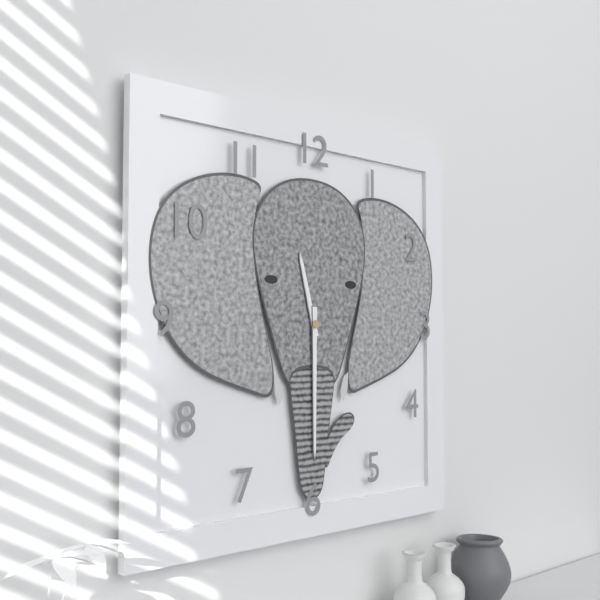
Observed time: **11:30**
